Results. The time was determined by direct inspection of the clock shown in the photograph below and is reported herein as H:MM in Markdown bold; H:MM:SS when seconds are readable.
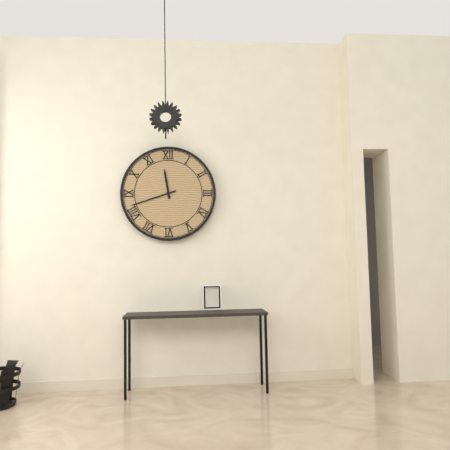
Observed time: **11:42**
